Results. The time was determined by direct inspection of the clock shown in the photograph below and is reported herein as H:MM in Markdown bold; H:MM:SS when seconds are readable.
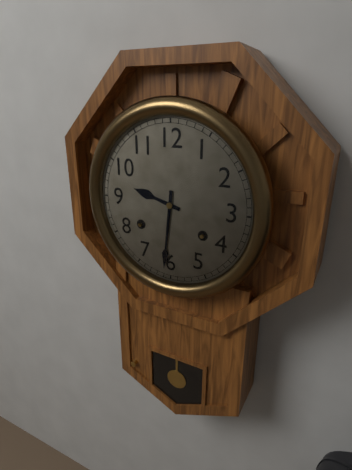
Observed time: **9:31**
